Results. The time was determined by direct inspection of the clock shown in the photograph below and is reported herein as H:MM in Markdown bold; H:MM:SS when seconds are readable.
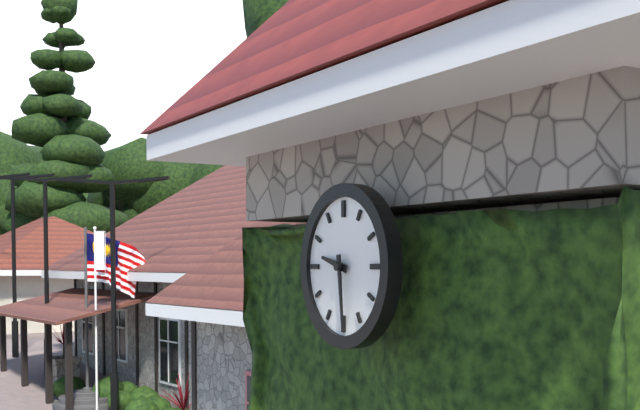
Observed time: **9:29**
